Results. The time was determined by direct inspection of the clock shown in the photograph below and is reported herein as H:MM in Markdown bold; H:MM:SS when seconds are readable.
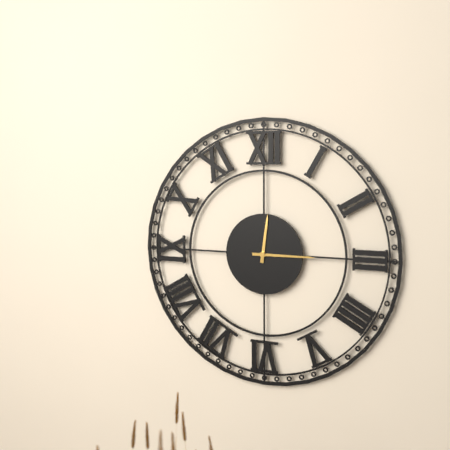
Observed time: **12:15**
